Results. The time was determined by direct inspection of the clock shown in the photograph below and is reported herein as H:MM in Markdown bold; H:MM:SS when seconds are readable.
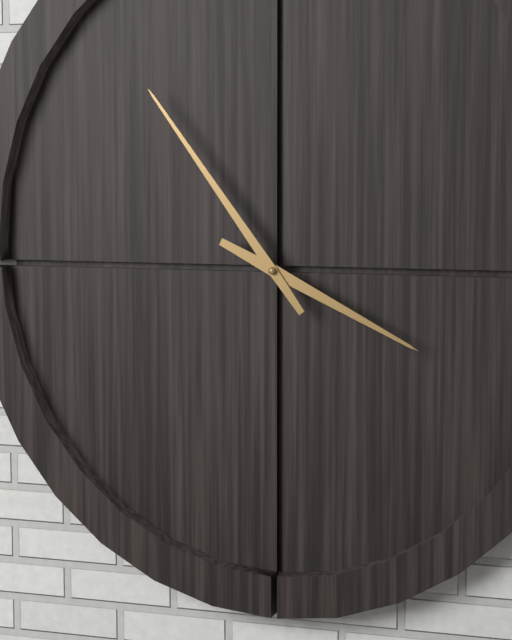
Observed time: **3:54**
